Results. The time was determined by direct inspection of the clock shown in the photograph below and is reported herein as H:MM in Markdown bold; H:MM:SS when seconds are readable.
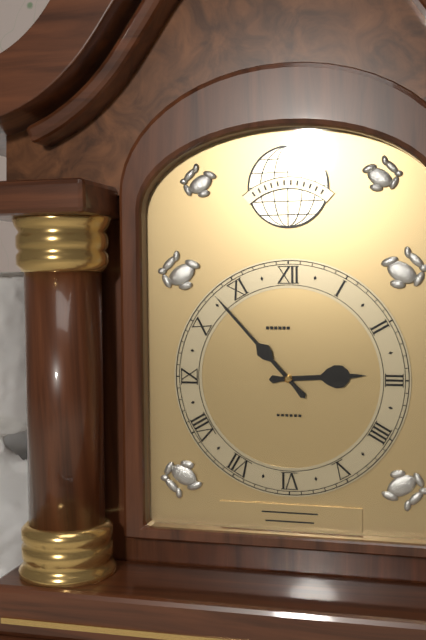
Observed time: **2:53**
